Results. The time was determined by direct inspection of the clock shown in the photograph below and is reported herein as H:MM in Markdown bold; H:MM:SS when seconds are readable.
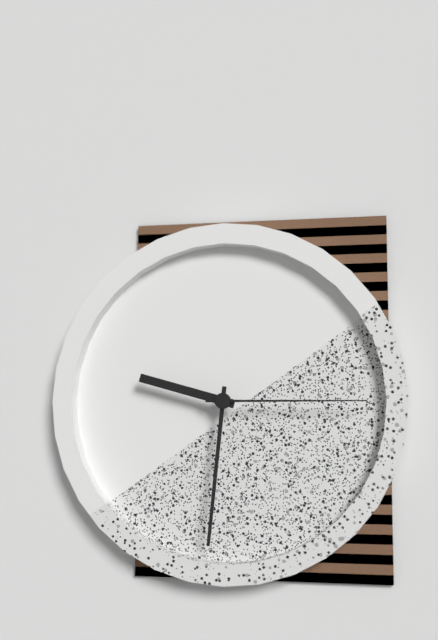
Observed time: **9:31:15**
